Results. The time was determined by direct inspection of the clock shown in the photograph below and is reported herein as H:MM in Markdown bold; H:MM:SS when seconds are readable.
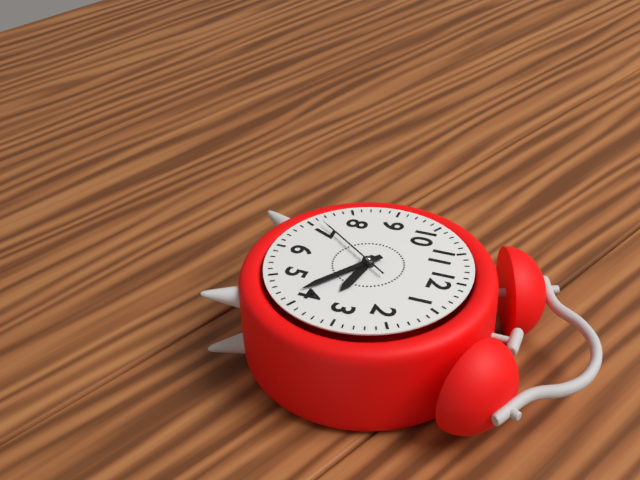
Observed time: **3:21:36**
